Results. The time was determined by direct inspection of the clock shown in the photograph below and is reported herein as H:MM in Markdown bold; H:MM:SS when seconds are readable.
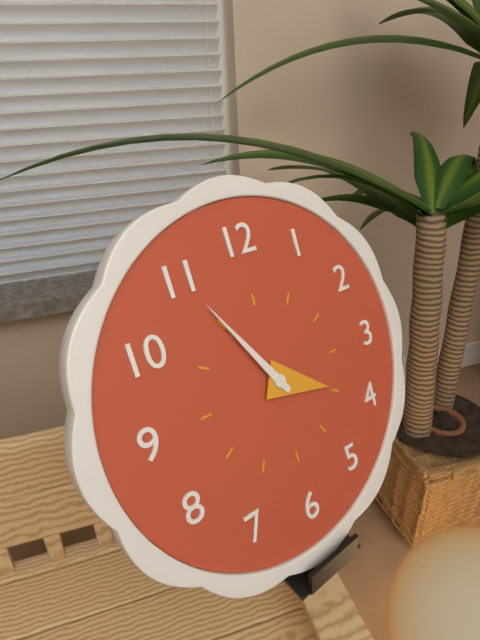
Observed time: **3:55**
